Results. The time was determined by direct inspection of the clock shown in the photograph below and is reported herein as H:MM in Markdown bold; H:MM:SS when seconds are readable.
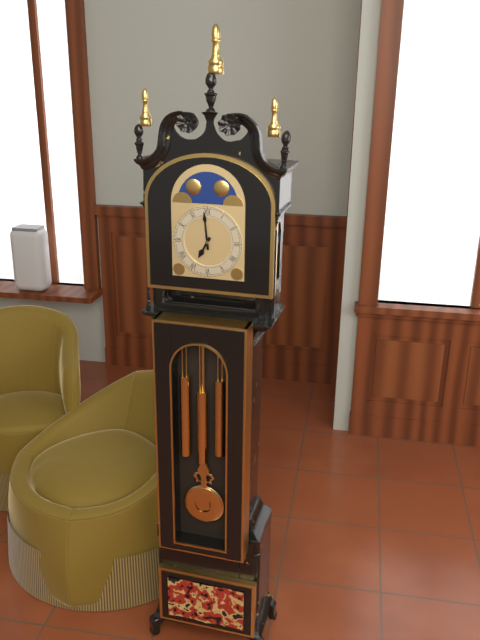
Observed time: **6:59**
